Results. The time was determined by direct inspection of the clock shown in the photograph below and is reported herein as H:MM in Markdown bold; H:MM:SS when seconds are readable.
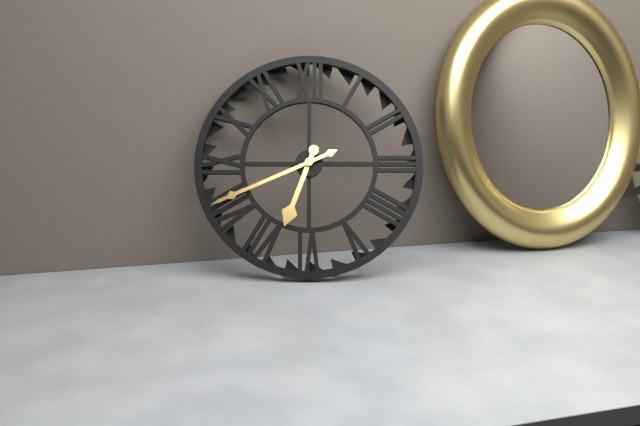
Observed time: **6:41**
